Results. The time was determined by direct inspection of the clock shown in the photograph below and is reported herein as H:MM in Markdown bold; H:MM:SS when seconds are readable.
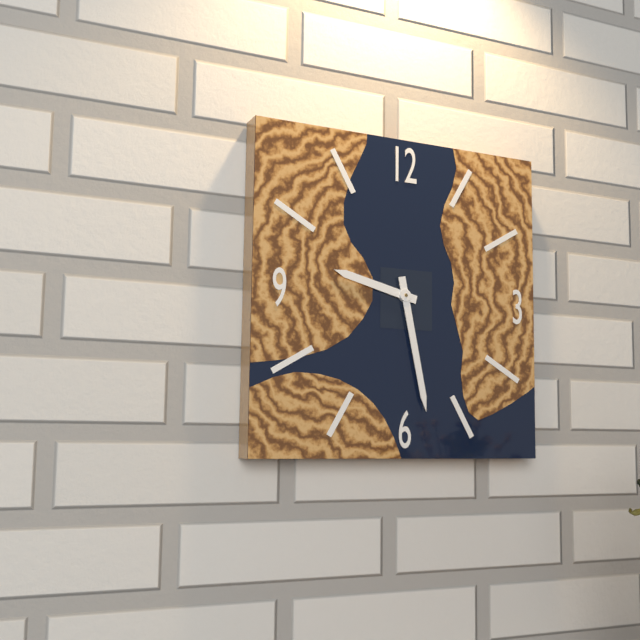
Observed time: **9:28**
